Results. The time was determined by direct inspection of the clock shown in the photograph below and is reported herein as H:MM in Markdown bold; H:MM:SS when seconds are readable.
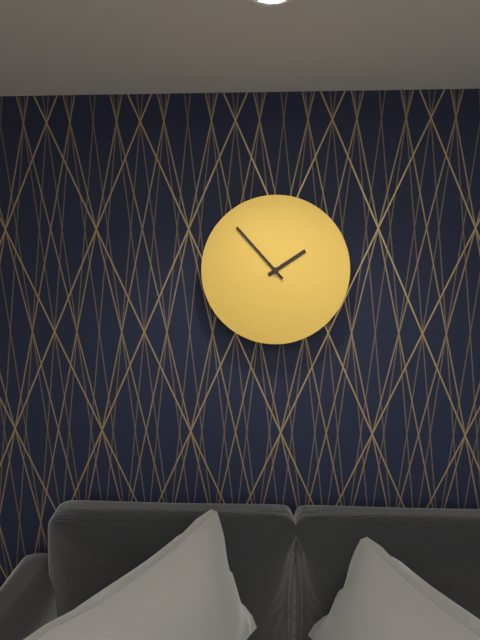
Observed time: **1:53**
